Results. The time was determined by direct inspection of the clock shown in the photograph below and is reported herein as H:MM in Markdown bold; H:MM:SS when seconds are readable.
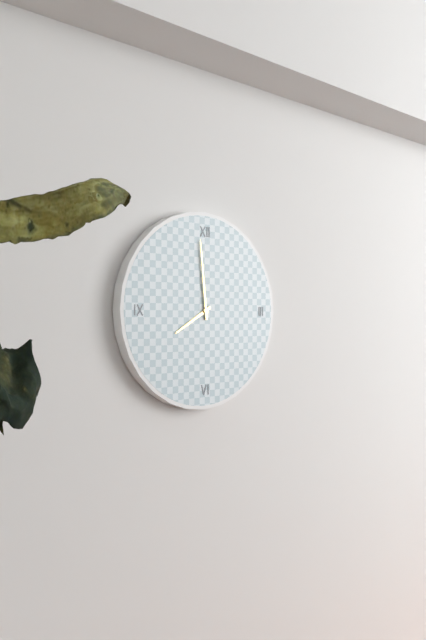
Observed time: **7:59**
